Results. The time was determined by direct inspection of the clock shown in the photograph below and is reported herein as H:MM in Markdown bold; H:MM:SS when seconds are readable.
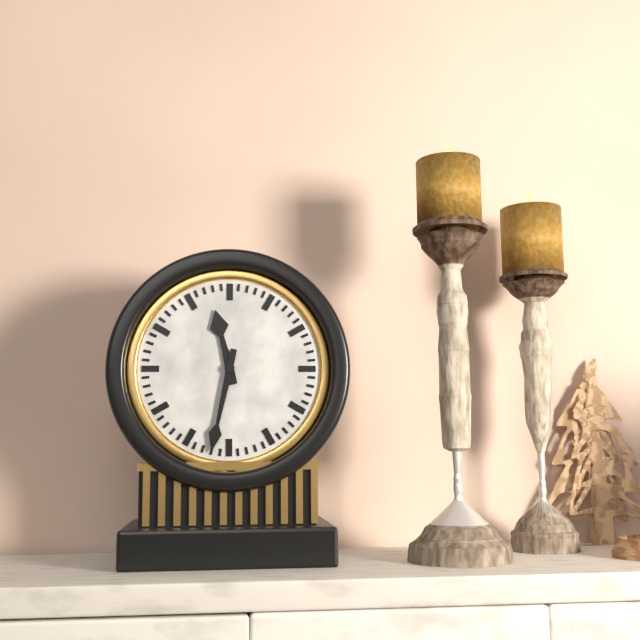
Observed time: **11:32**
